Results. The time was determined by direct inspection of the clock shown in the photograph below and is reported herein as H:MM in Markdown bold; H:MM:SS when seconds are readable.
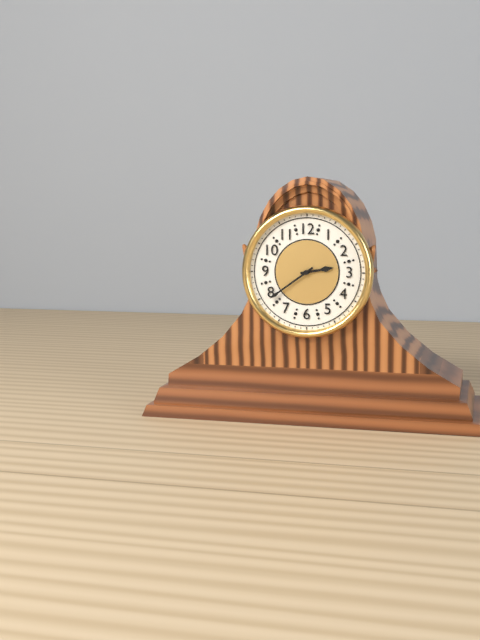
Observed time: **2:39**
